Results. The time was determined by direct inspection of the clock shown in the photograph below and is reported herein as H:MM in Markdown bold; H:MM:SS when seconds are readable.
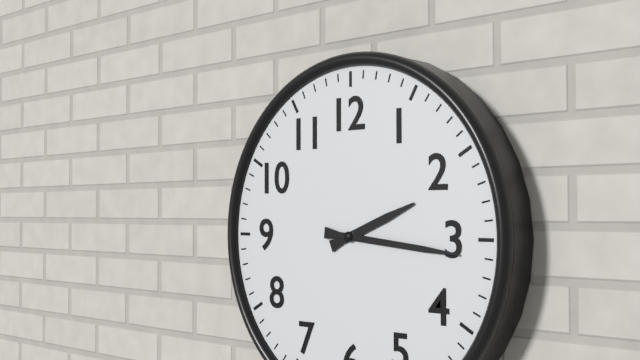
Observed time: **2:16**
